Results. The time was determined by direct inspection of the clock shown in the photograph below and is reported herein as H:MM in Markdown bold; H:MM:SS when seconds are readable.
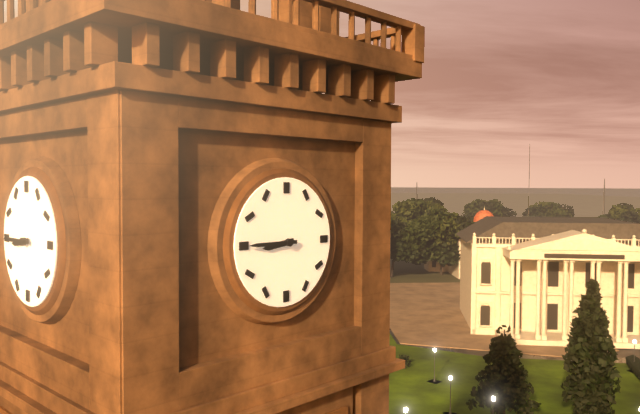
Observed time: **8:45**
